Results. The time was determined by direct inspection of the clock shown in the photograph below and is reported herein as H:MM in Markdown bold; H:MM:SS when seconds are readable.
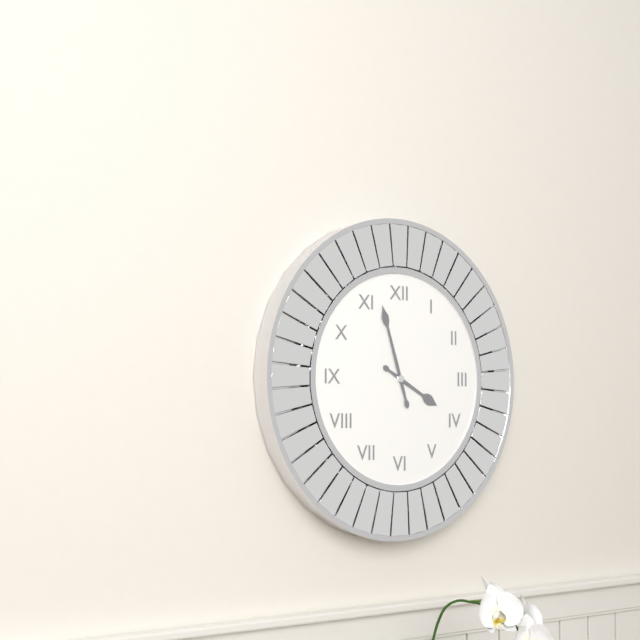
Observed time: **3:57**
